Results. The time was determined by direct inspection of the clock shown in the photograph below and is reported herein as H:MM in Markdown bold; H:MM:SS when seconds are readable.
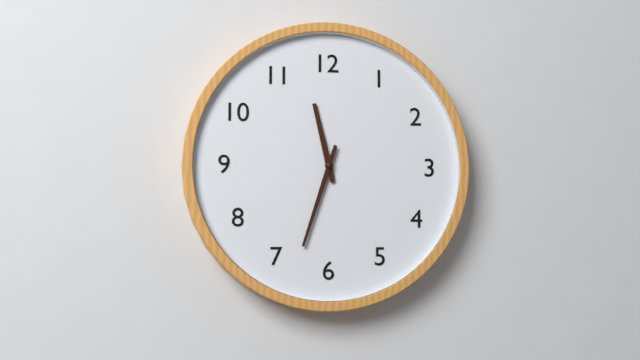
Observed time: **11:33**
